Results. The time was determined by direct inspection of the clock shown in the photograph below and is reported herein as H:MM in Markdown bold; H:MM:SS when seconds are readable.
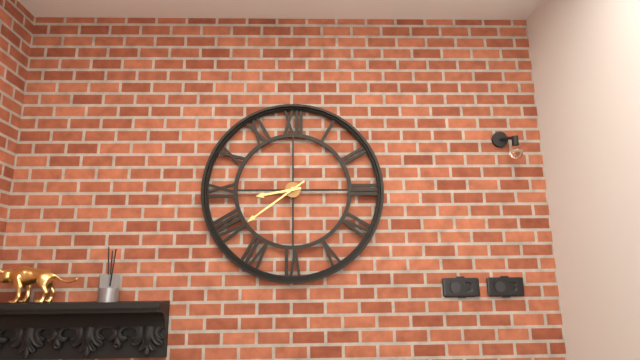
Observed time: **8:39**
